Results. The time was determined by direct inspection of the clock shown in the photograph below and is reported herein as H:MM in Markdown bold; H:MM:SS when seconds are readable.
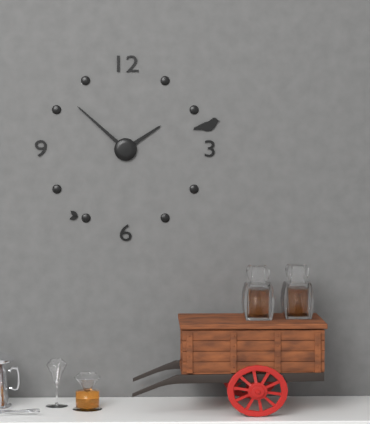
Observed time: **1:52**
